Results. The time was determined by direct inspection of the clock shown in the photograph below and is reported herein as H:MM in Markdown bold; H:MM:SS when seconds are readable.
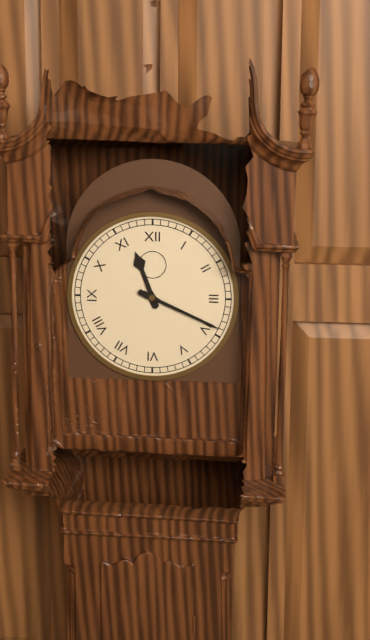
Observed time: **11:19**
